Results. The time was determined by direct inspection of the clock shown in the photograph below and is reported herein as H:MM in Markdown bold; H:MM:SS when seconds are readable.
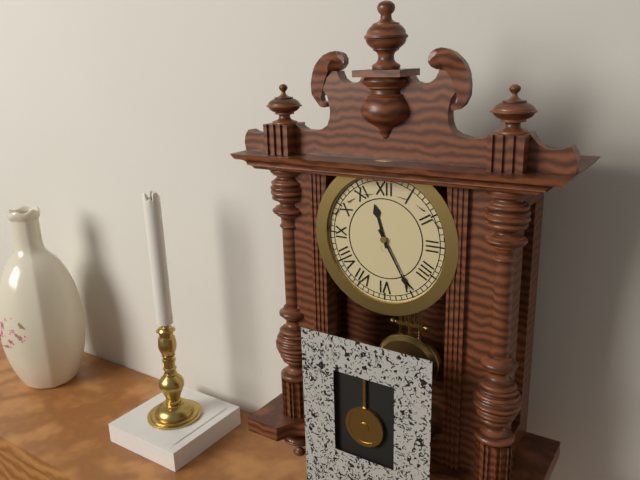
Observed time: **11:25**
